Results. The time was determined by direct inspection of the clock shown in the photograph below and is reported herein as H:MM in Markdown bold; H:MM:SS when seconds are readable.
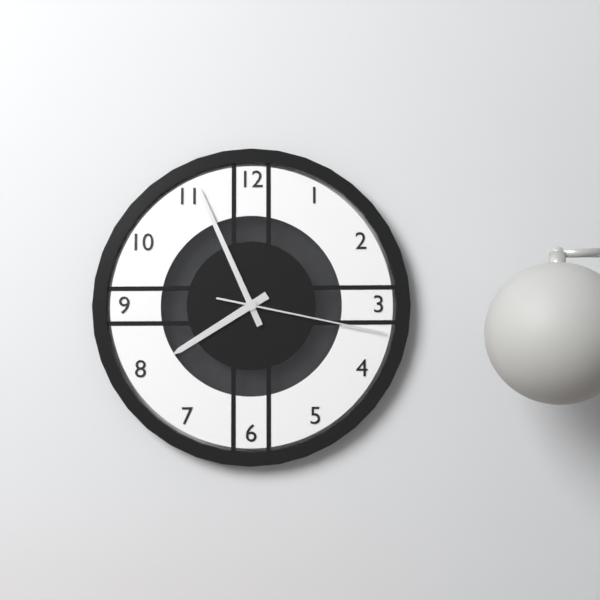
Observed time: **7:56:17**
